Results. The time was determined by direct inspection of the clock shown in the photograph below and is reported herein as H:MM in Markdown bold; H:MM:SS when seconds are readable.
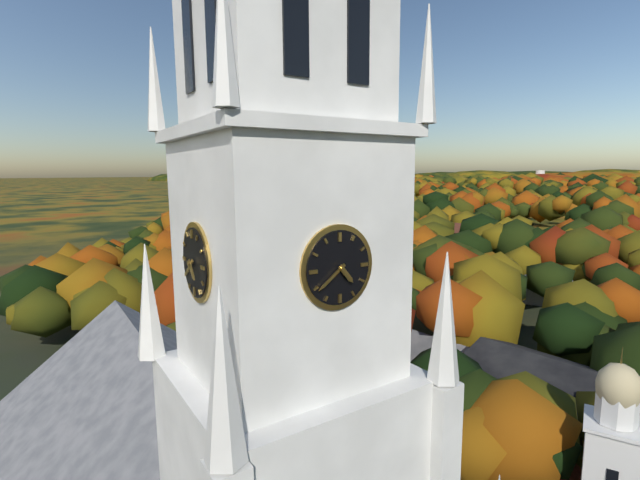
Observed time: **4:39**
